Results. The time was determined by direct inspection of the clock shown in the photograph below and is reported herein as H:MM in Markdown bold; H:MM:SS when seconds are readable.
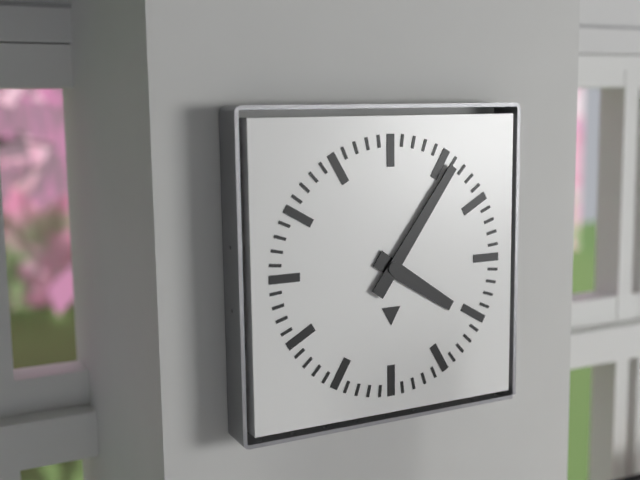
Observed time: **4:06**
